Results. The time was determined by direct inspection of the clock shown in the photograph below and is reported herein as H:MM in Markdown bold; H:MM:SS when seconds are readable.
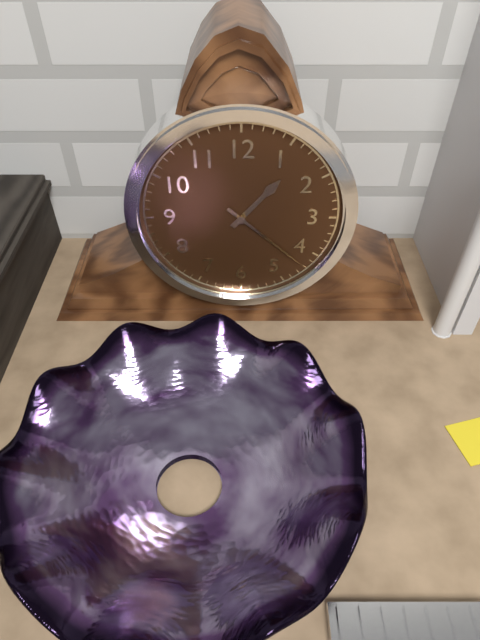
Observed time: **1:22**
